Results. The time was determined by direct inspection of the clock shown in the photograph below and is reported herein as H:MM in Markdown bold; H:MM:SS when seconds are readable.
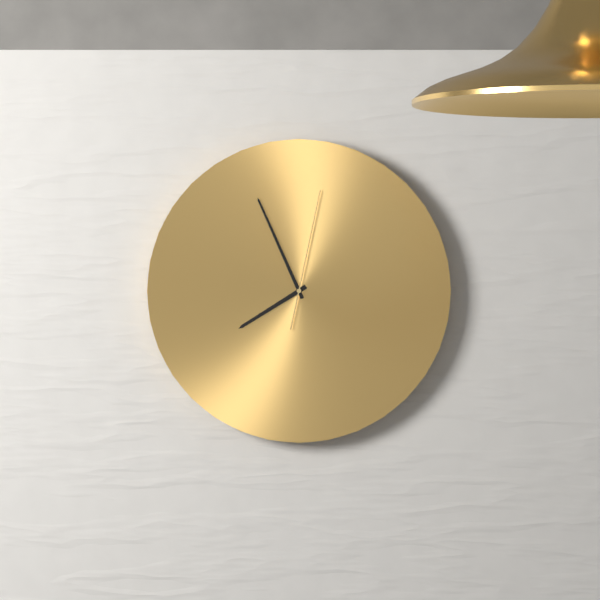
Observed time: **7:56:02**
